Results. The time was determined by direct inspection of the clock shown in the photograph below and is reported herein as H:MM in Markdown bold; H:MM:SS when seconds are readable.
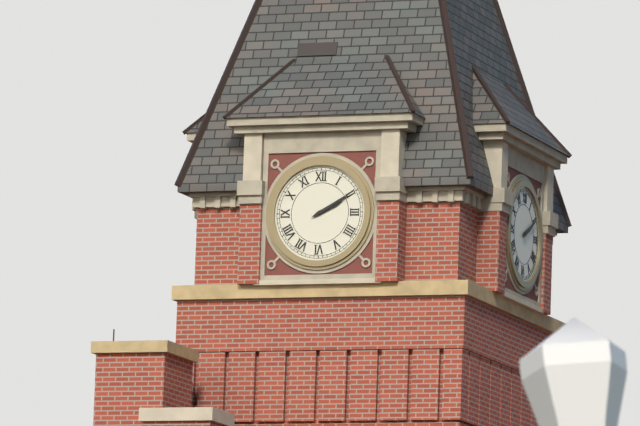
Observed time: **2:10**
